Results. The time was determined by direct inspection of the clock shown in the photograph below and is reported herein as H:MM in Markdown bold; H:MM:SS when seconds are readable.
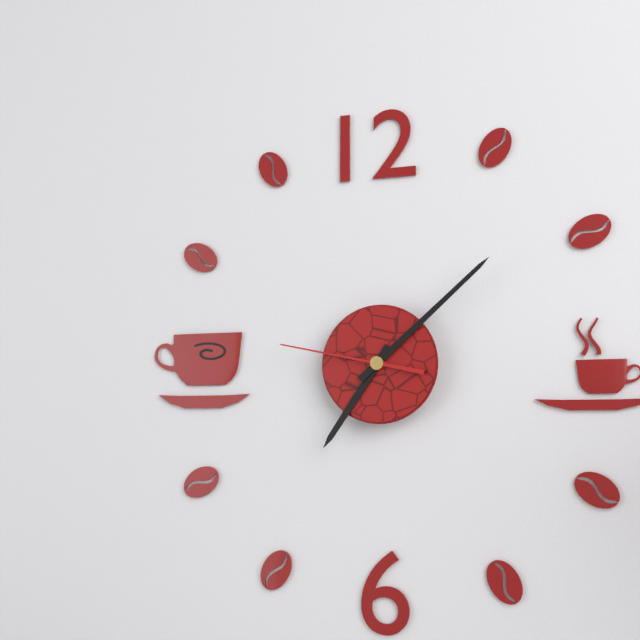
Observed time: **7:08:47**
